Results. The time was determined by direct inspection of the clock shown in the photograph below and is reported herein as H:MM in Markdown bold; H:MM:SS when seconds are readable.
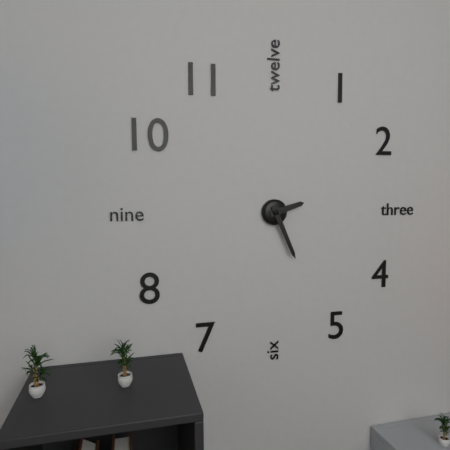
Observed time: **2:26**
